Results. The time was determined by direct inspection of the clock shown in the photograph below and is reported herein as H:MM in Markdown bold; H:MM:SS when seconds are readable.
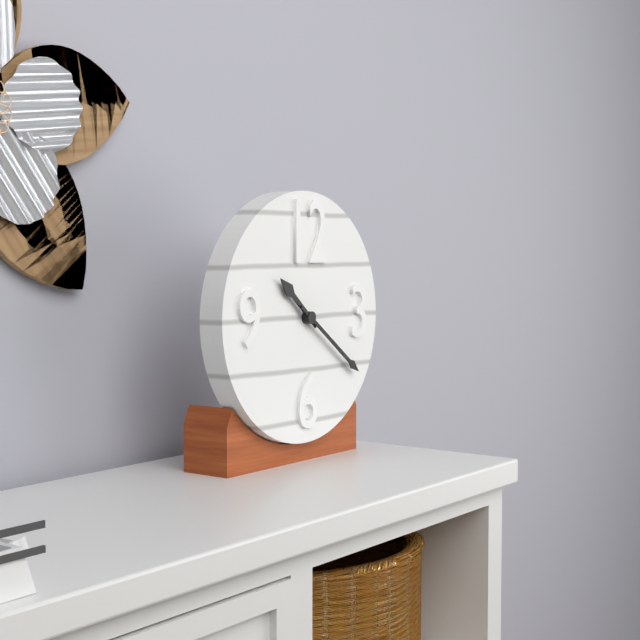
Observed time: **10:21**
